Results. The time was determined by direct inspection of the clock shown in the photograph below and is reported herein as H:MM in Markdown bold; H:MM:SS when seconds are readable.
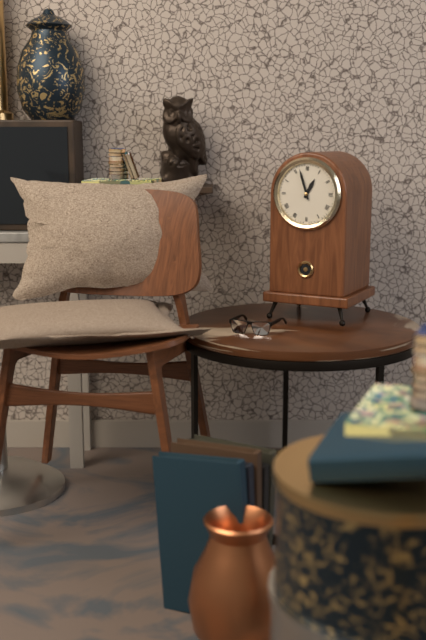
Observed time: **12:57**
